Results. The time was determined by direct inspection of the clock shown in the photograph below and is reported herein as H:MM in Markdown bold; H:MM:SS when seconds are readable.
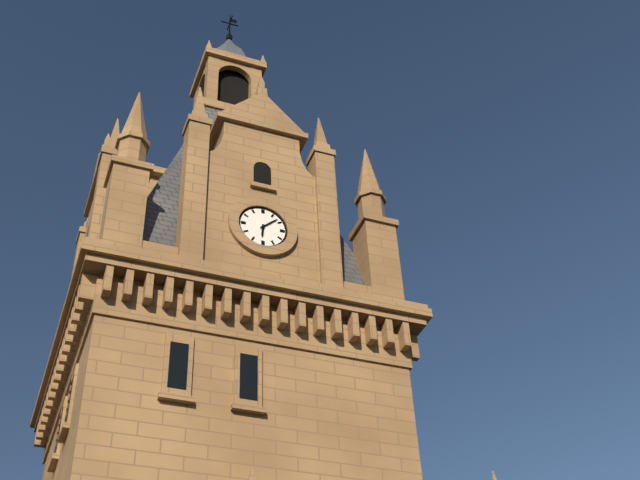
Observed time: **6:08**
